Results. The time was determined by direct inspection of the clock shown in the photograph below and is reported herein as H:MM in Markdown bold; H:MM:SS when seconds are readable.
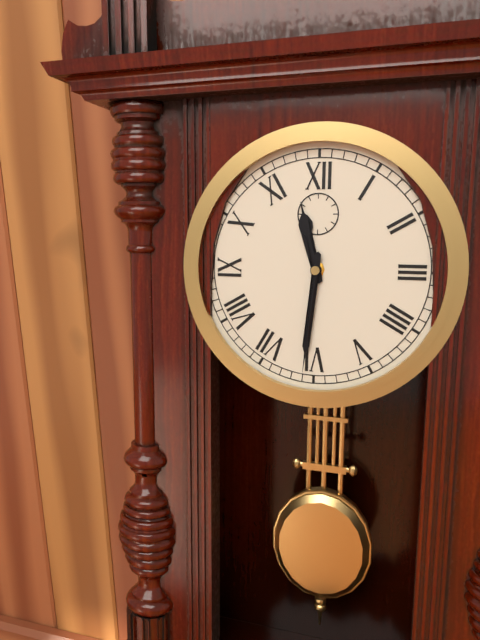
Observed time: **11:31**
